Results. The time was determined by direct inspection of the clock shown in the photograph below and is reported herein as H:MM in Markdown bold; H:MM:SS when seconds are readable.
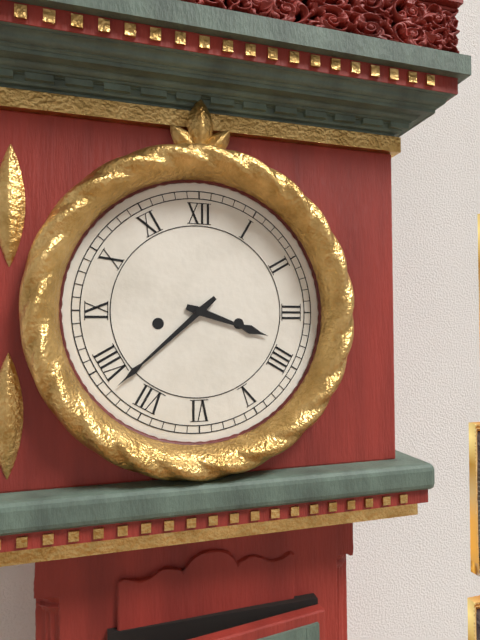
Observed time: **3:38**
